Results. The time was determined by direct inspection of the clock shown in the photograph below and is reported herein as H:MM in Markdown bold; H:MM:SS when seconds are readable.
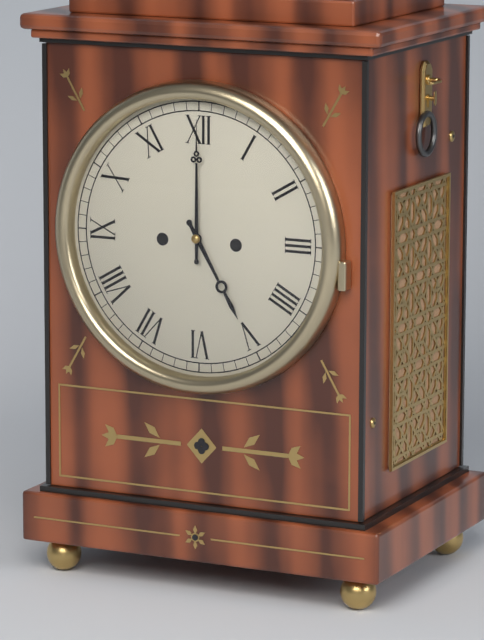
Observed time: **5:00**
